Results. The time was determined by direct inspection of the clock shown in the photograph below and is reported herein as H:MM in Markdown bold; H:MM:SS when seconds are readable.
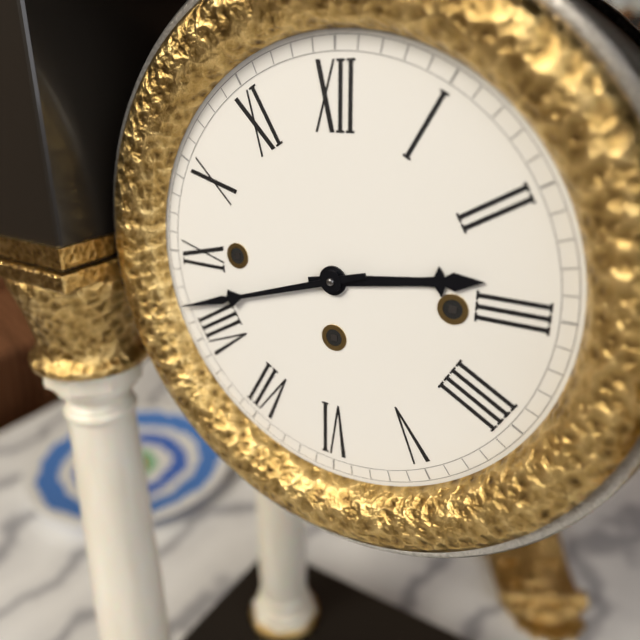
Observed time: **2:42**
